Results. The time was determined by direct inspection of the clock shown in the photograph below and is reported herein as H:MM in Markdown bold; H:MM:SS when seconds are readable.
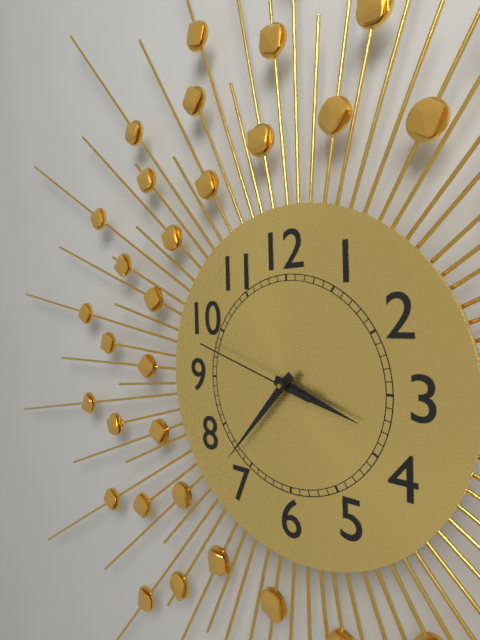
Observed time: **3:37:48**
